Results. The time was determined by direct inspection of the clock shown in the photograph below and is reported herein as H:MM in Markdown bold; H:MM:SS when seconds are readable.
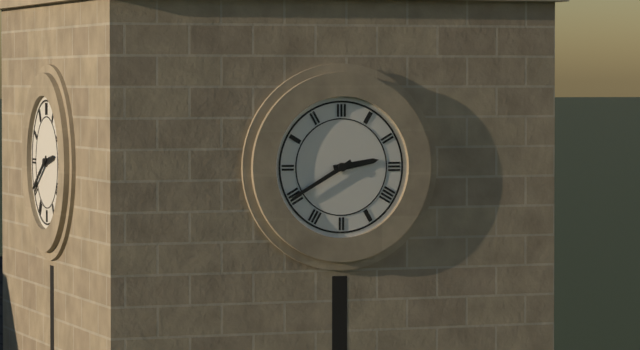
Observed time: **2:40**
